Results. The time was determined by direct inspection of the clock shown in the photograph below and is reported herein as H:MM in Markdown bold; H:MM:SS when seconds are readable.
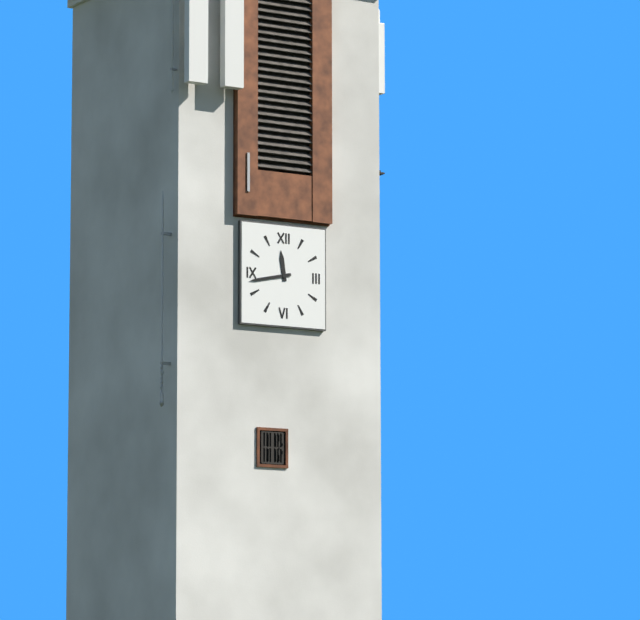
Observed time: **11:43**
